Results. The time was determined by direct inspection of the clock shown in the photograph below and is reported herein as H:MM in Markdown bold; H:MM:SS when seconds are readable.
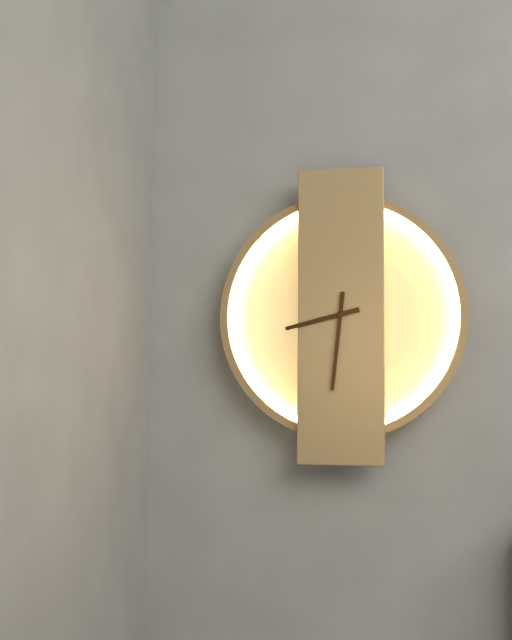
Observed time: **8:31**
